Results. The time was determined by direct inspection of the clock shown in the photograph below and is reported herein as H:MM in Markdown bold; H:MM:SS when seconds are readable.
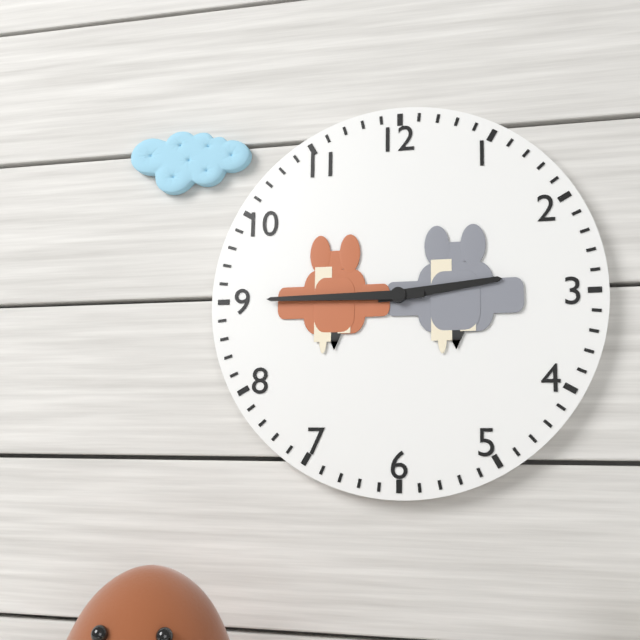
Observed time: **2:45**
